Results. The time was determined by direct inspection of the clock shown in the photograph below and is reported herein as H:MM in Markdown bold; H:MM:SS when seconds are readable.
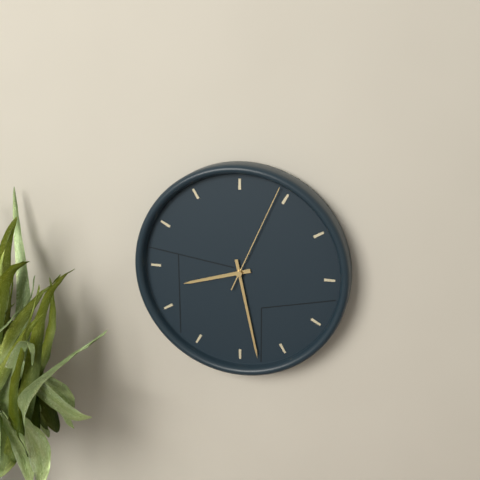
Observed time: **8:28:04**
